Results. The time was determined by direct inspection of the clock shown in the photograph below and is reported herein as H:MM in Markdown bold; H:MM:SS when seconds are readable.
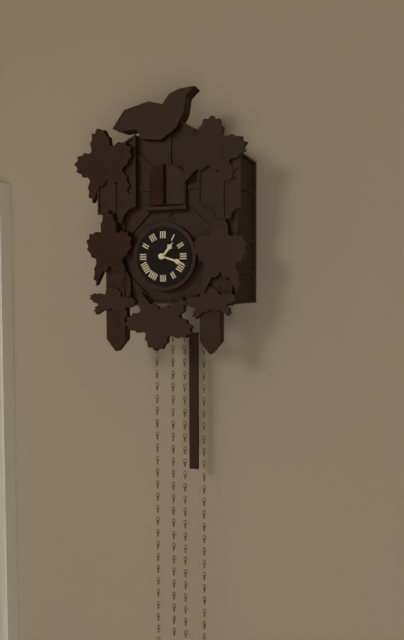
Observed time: **1:18**
